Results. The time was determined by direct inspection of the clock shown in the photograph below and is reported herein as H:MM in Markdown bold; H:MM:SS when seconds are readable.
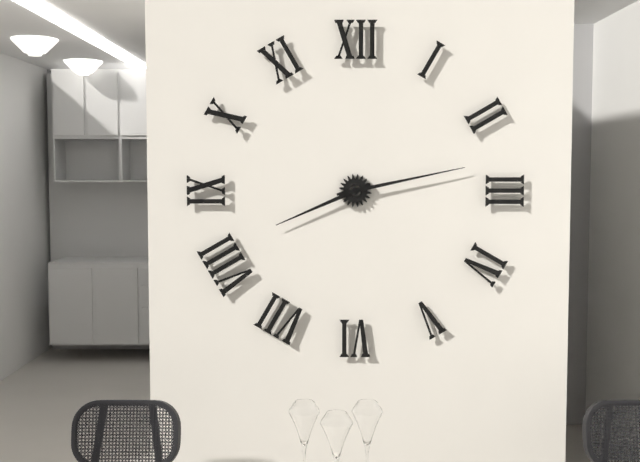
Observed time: **8:13**
